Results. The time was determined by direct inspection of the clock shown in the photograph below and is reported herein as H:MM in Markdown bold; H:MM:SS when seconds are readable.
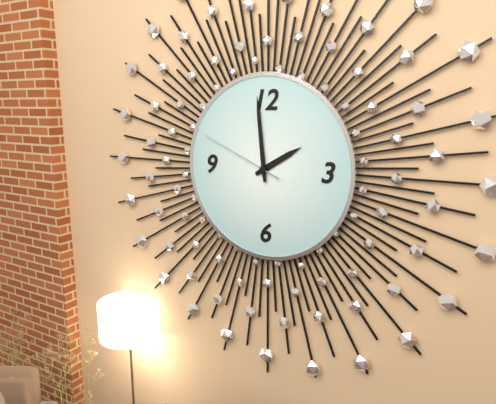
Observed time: **1:59:49**
